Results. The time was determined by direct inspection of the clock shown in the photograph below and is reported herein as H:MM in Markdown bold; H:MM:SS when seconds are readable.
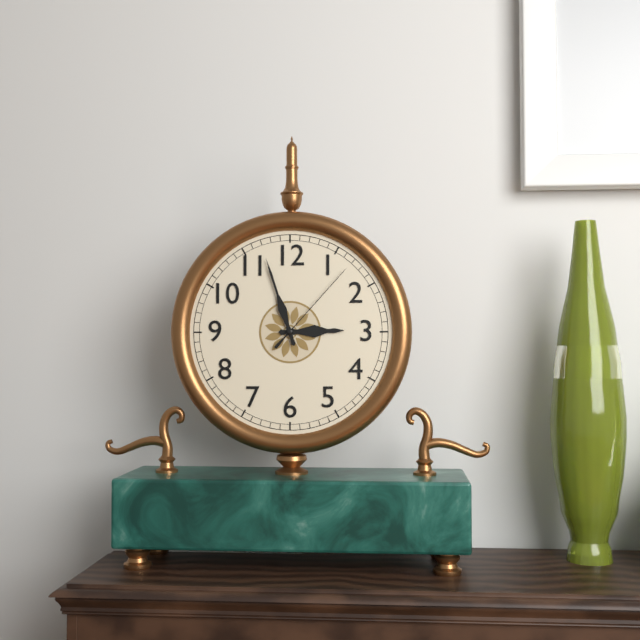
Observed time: **2:57:07**
